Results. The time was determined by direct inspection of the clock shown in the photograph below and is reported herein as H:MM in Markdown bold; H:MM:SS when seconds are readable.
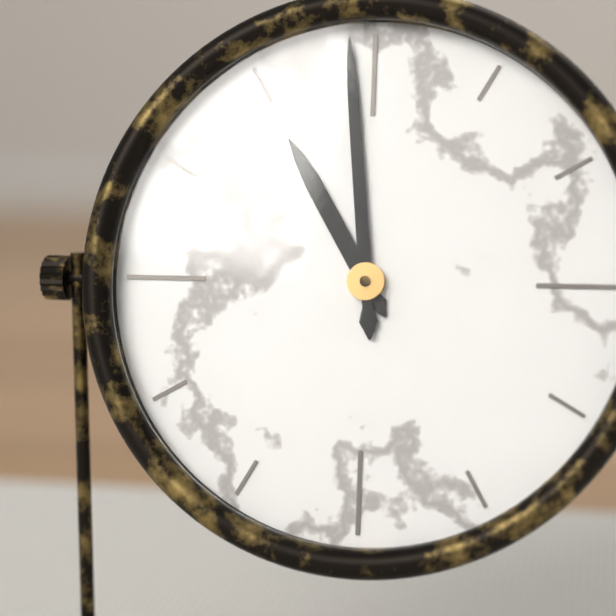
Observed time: **10:59**
